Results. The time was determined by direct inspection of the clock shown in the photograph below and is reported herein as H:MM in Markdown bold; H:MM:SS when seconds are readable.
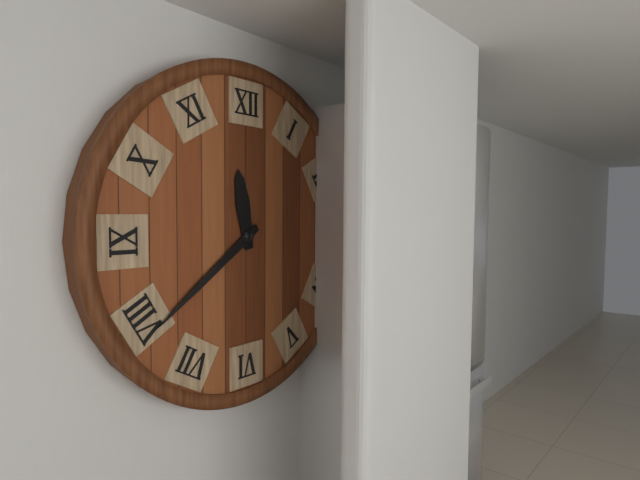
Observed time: **11:39**
